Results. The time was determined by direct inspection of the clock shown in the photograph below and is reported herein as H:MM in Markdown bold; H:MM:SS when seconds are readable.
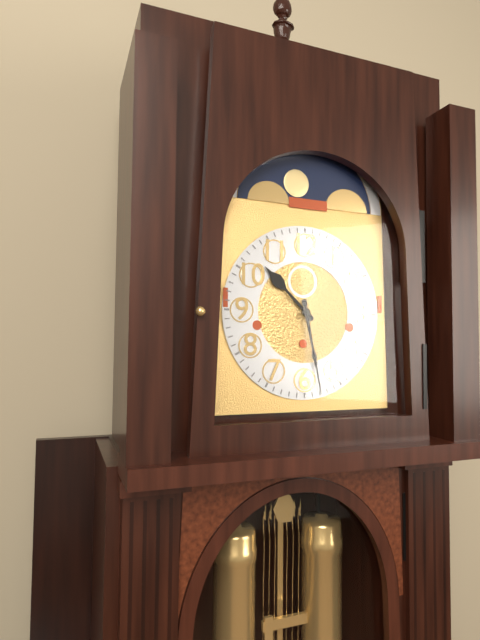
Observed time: **10:28**
